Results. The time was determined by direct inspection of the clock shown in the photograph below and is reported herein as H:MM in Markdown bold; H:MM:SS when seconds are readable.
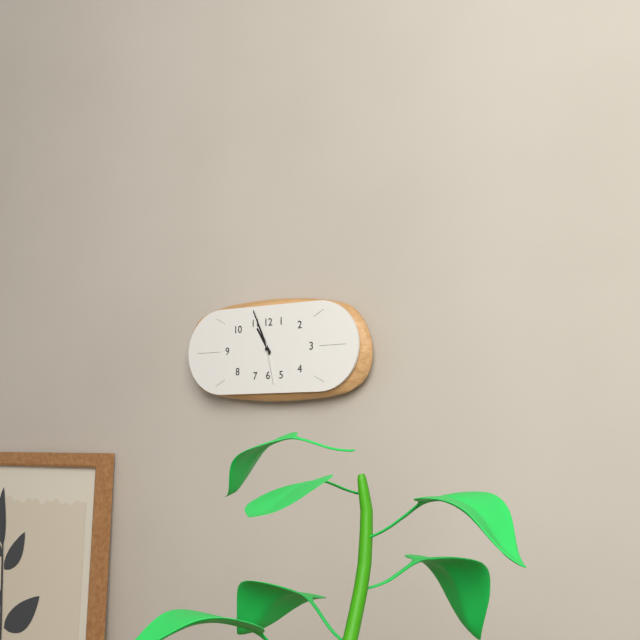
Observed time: **10:56**
